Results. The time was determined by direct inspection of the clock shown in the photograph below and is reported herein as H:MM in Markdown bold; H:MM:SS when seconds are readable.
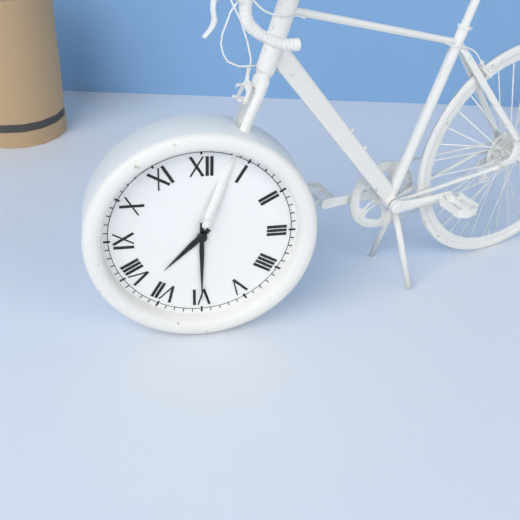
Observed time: **7:30**
